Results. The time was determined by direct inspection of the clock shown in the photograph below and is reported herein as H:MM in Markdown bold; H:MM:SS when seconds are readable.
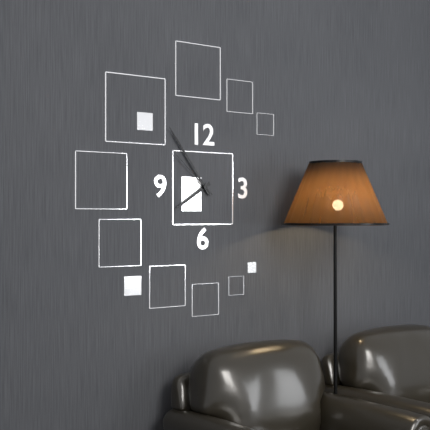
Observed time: **7:54:52**
